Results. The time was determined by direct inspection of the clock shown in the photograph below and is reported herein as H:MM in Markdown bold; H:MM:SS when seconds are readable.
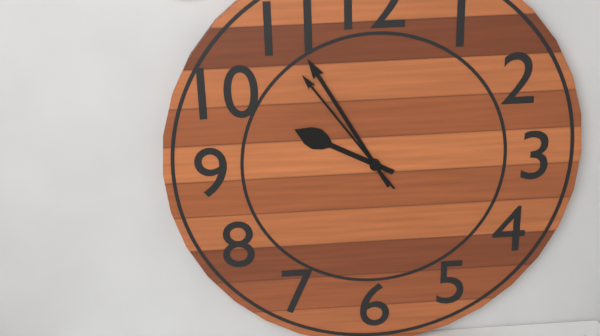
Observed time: **9:55:54**
